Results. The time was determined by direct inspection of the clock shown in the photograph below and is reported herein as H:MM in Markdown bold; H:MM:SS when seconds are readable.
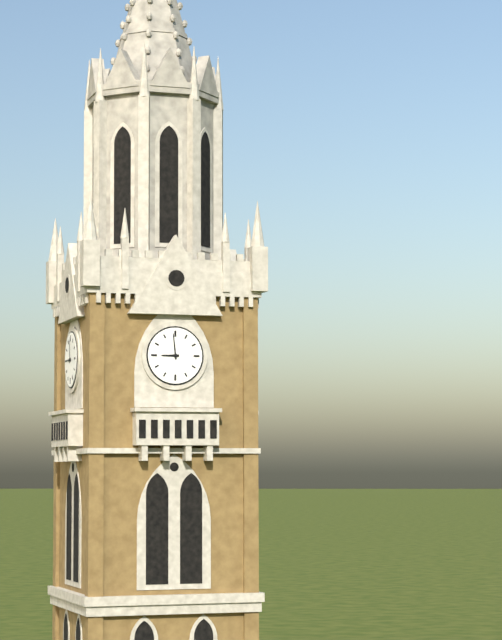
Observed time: **8:59**
